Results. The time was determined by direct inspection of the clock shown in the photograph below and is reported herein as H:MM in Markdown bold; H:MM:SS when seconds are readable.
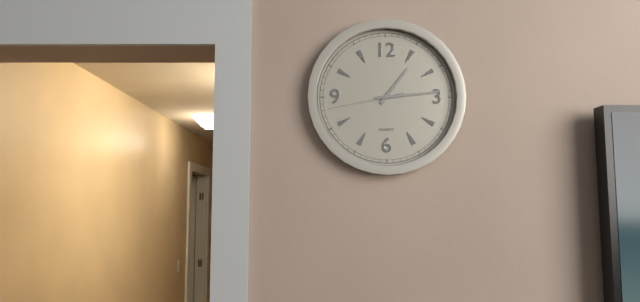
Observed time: **1:14:43**
